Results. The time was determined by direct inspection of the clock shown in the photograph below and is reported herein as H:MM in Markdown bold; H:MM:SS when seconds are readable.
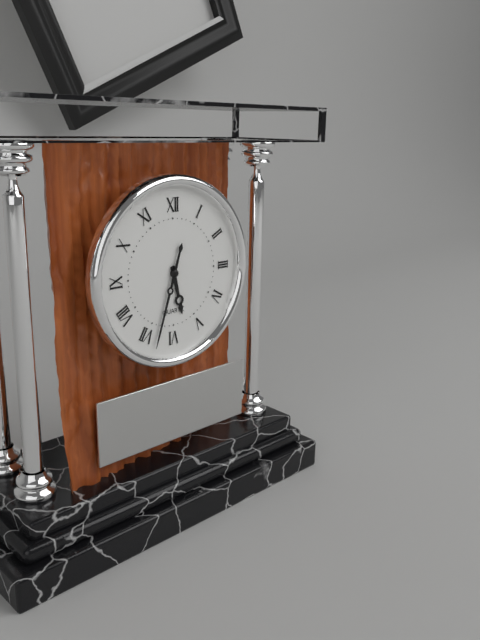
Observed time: **5:33**
